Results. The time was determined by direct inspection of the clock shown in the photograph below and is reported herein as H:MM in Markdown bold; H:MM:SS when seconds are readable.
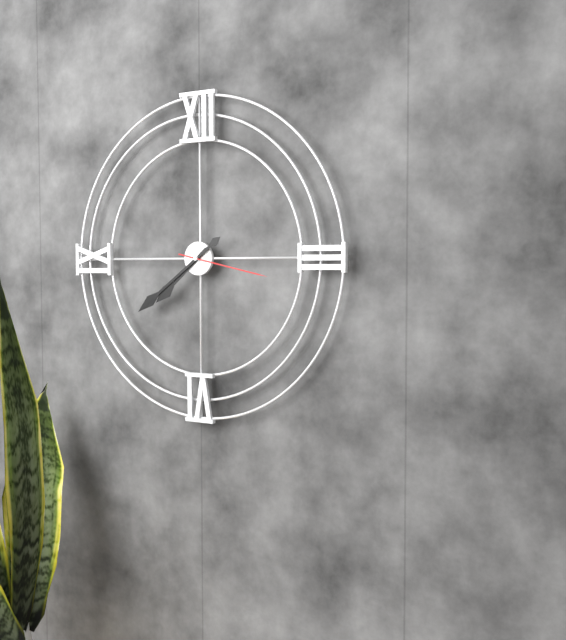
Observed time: **7:39:17**
